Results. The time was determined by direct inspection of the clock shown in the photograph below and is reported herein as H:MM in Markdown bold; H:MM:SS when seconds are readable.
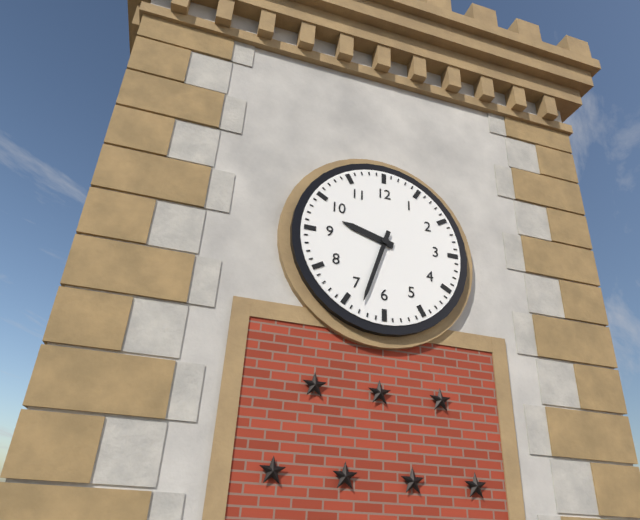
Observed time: **9:33**
